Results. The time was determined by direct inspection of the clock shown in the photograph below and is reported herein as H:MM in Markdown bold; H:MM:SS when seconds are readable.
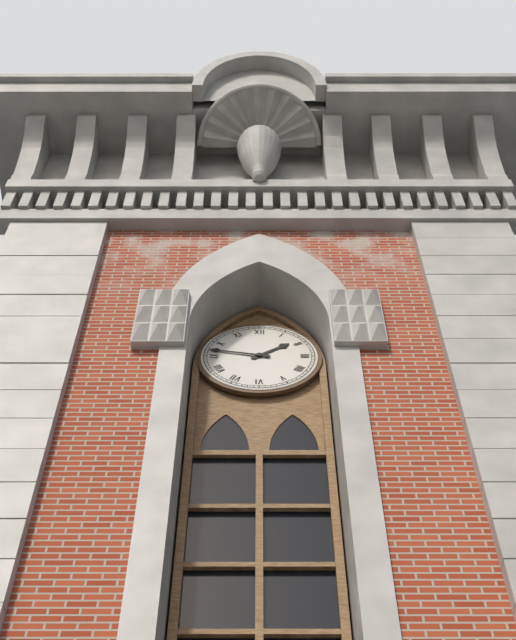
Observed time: **1:47**
